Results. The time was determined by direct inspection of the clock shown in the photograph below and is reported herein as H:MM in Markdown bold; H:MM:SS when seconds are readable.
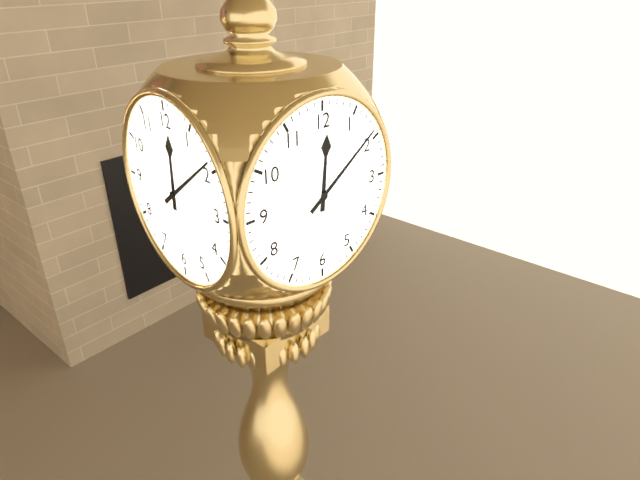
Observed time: **12:09**
